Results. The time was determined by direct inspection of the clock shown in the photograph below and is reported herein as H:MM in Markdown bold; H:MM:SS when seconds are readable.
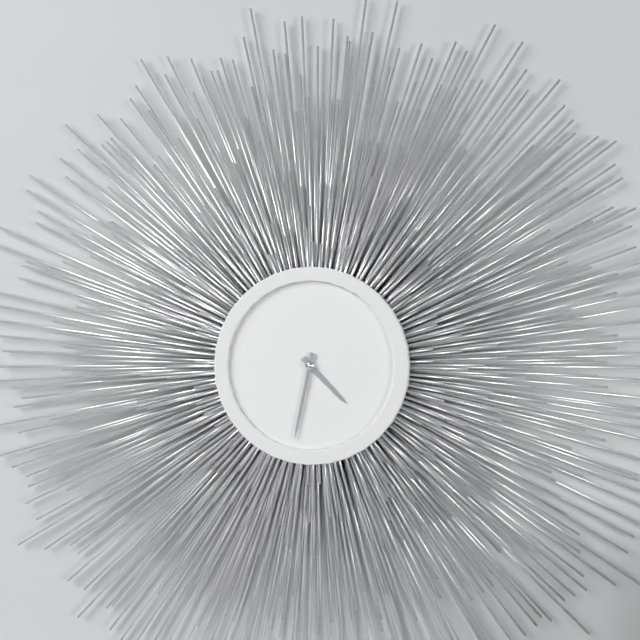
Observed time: **4:32**
